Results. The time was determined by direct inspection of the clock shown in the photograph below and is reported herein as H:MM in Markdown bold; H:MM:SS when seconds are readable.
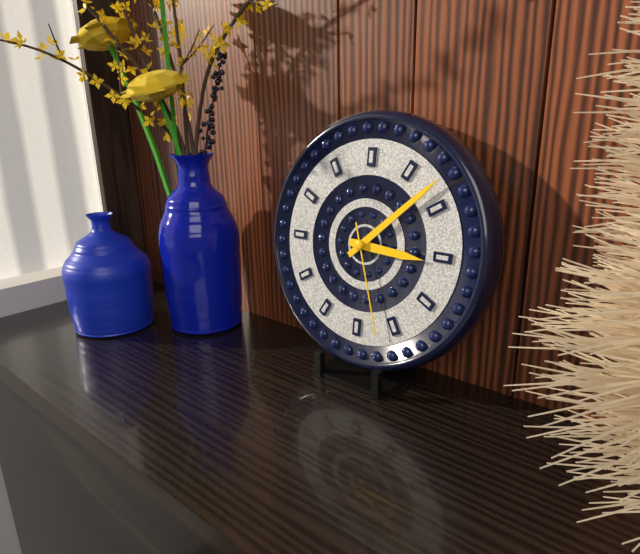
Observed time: **3:08:27**
